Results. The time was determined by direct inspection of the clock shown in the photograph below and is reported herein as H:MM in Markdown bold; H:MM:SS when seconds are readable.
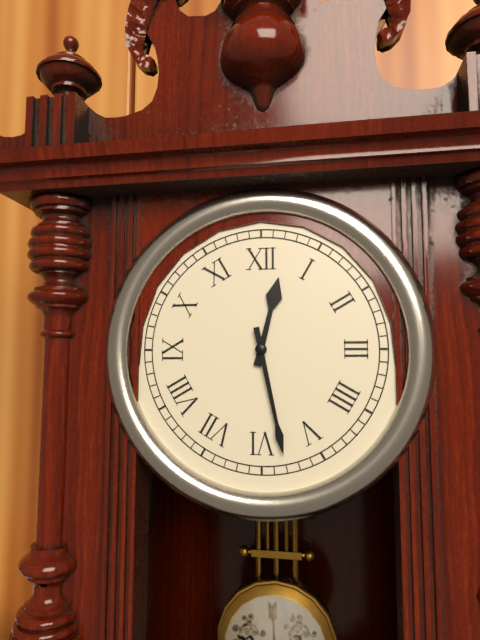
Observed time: **12:28**
